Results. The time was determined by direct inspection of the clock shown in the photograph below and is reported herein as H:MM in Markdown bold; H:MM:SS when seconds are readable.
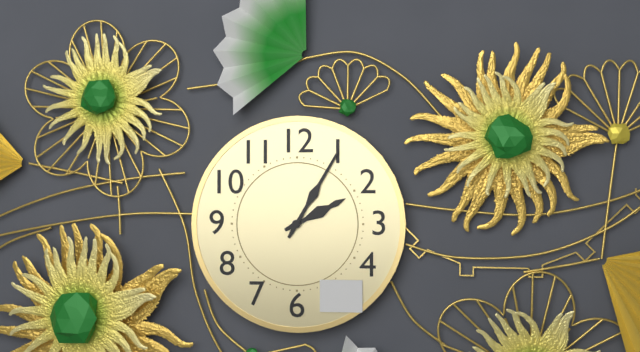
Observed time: **2:05**
